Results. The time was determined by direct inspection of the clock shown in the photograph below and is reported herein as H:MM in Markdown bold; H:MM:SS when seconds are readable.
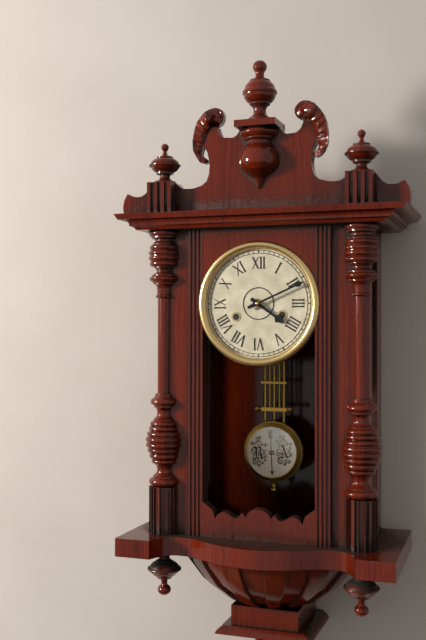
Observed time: **4:11**
